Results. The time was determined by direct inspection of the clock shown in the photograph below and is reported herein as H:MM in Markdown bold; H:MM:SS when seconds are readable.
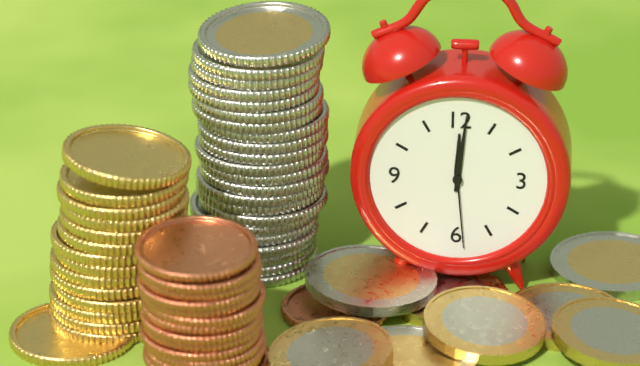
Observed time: **12:01:29**
